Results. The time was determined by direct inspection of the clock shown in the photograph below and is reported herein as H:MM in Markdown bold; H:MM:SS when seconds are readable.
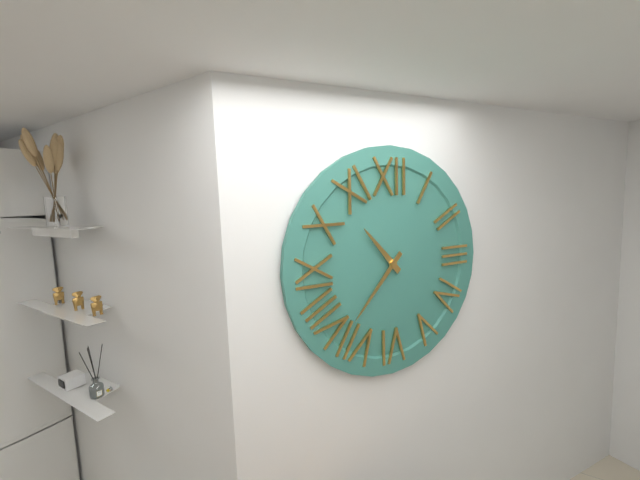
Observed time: **10:37**
